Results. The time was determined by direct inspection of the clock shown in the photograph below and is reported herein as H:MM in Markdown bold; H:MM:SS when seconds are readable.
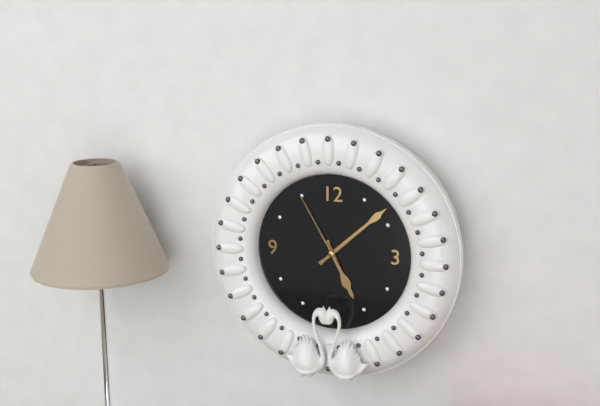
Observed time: **5:08:55**
